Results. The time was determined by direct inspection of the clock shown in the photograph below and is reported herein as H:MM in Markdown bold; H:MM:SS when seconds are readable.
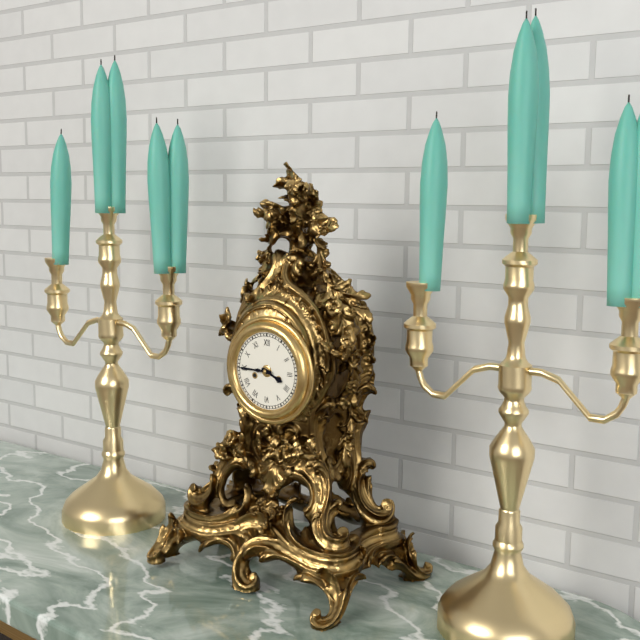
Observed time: **3:45**
